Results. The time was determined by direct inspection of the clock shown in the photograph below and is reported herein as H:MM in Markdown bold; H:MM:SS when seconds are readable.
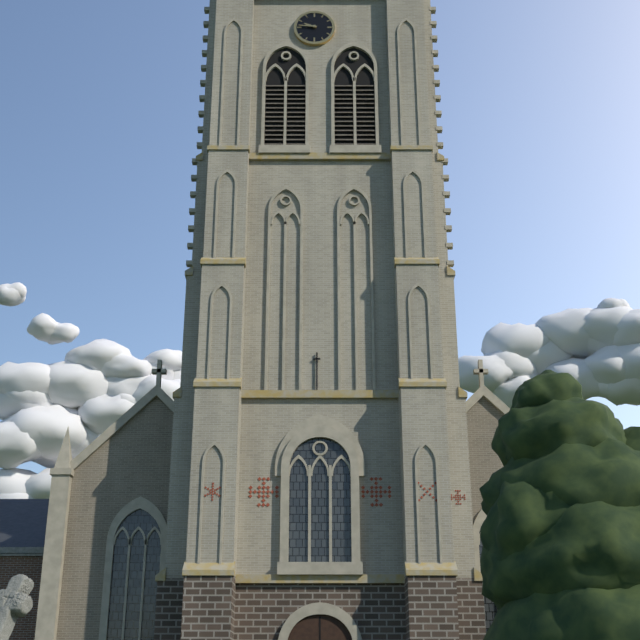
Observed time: **9:46**
